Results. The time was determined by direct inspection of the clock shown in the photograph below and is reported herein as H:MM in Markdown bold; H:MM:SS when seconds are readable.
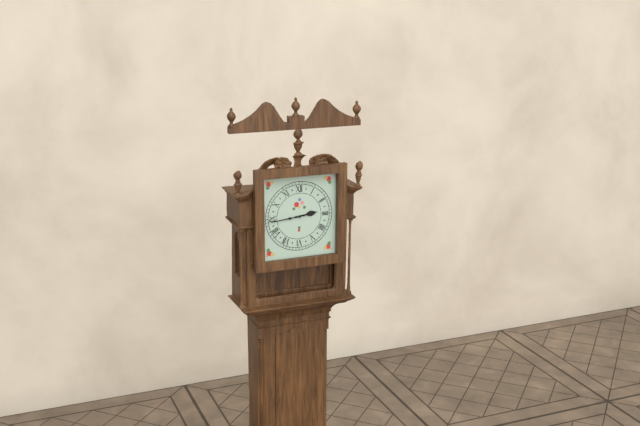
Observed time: **2:44**
